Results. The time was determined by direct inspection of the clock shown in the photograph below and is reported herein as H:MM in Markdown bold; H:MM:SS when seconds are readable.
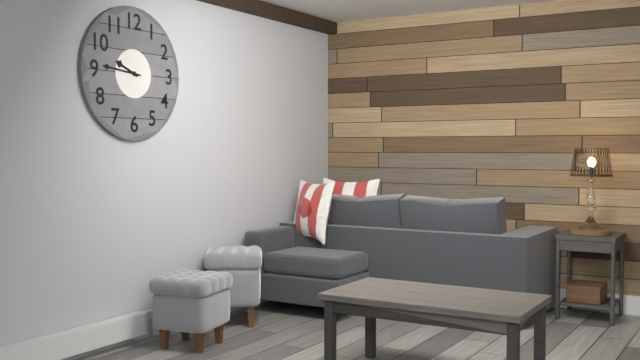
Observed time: **9:46**
